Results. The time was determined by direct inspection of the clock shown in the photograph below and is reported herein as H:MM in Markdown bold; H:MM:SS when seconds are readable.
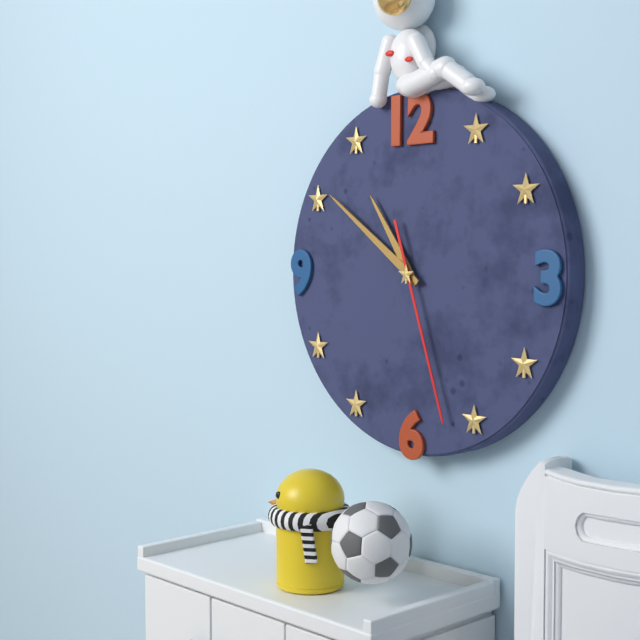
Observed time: **10:51:27**
